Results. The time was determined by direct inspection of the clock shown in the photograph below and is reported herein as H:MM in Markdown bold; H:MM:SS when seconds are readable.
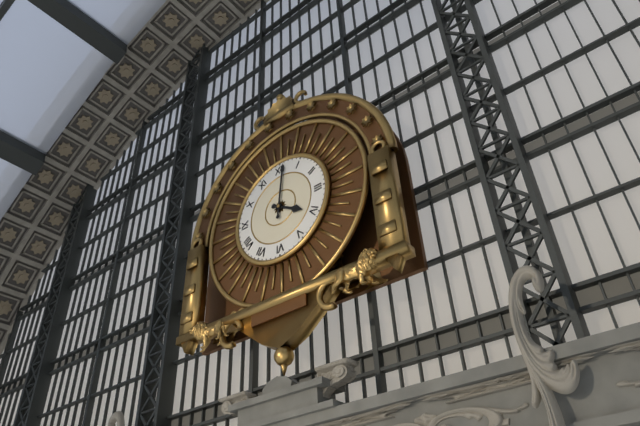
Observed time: **4:01**
